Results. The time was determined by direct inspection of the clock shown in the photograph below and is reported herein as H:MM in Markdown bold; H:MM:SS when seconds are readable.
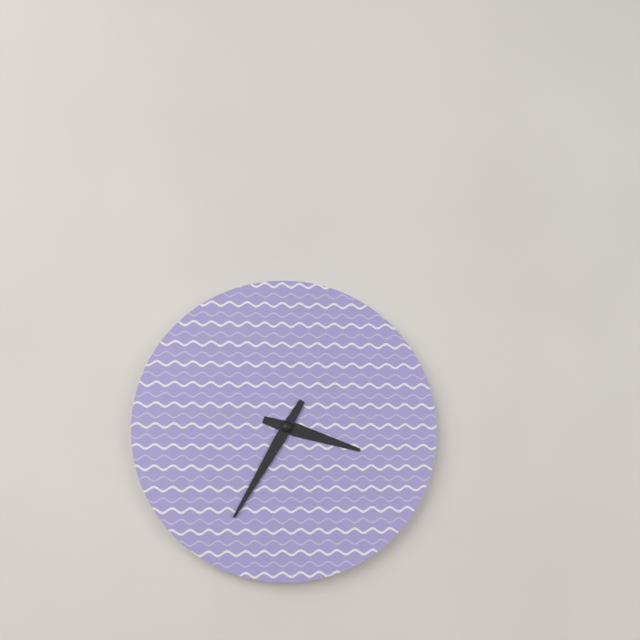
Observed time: **3:35**
